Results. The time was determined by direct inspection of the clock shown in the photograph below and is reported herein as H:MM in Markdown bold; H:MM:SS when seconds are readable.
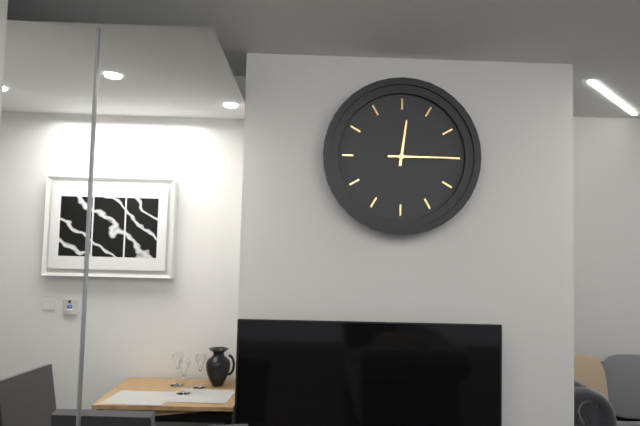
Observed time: **12:15**
